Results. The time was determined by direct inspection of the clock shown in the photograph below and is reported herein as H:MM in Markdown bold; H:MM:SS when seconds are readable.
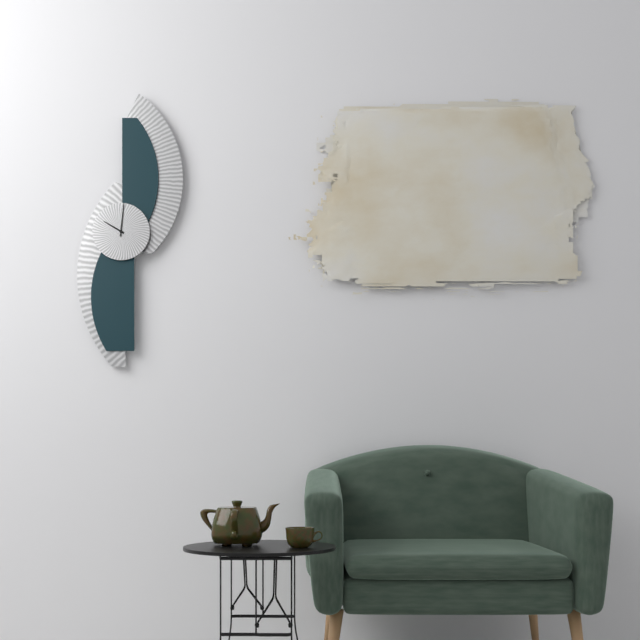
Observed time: **10:01**
